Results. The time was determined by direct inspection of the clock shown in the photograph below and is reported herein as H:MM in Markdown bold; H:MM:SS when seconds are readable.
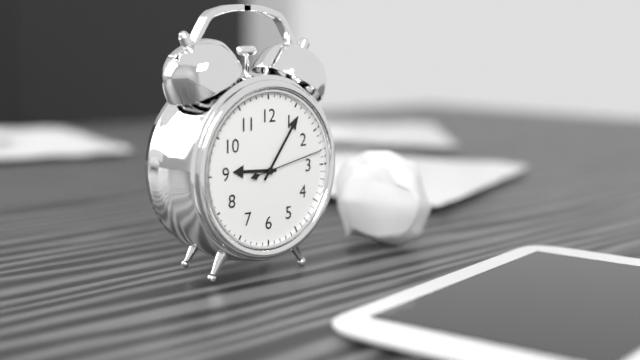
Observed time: **9:06:13**
